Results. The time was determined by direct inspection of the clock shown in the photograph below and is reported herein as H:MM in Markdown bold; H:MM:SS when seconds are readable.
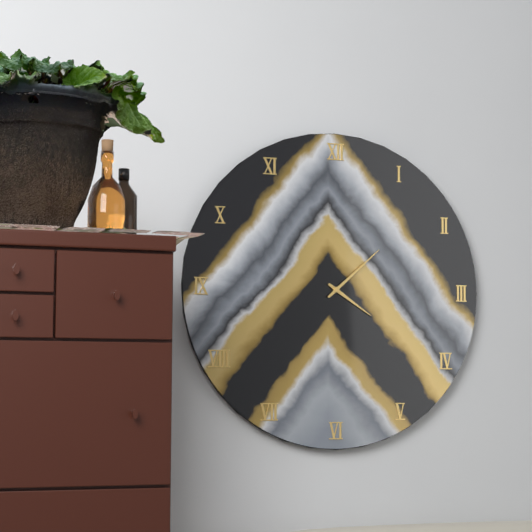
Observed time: **4:08**
